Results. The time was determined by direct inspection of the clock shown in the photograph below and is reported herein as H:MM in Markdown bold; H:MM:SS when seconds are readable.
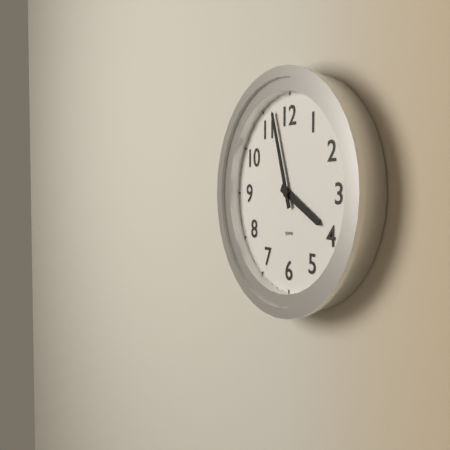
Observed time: **3:57**
